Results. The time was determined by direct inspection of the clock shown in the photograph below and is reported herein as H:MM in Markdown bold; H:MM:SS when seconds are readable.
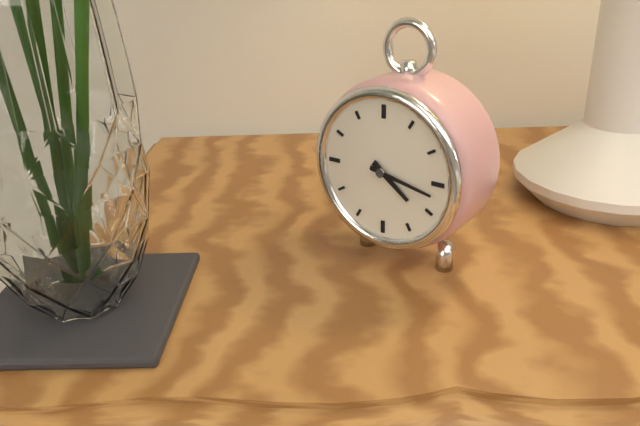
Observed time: **4:17**
